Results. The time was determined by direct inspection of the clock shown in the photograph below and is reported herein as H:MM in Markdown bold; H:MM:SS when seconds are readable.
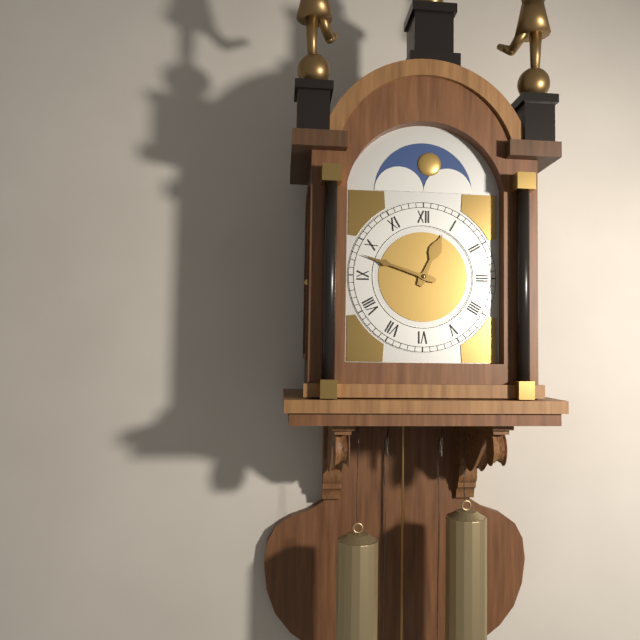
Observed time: **12:48**
